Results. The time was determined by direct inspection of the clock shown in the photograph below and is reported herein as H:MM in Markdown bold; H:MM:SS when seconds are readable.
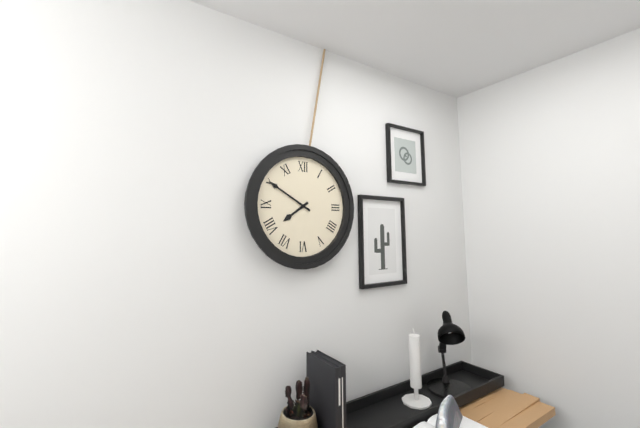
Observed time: **7:50**
